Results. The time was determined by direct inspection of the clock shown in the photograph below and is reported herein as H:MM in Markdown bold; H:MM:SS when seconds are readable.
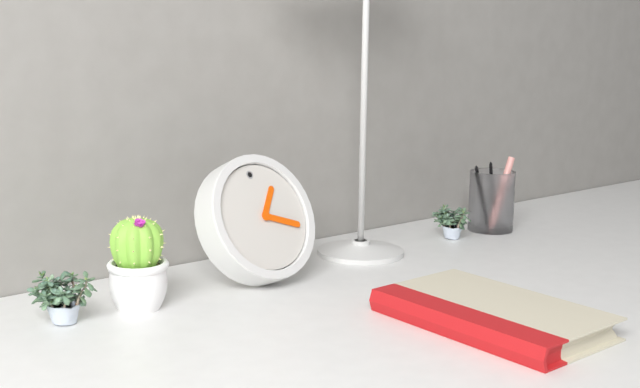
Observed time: **1:19**
